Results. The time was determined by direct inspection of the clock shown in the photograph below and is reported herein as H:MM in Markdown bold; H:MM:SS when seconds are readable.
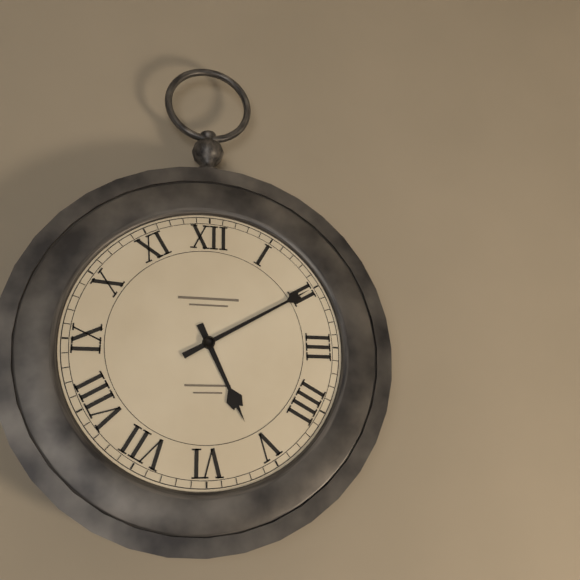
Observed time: **5:10**
